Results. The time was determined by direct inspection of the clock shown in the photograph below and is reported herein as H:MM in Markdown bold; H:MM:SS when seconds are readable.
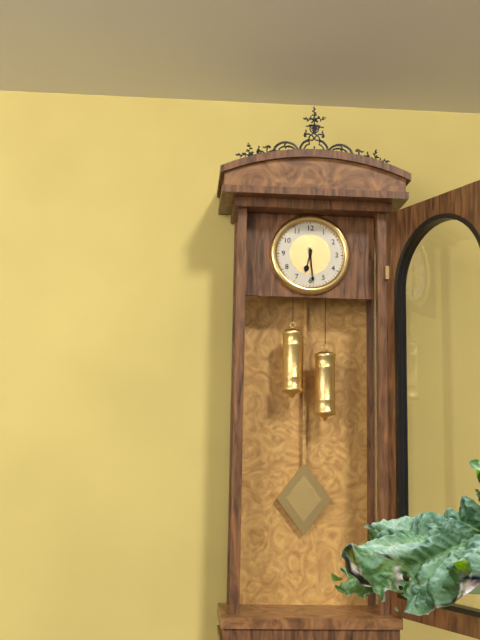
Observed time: **6:29**
